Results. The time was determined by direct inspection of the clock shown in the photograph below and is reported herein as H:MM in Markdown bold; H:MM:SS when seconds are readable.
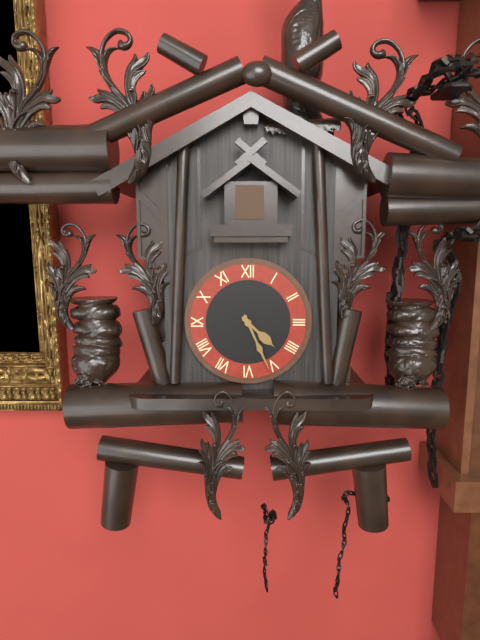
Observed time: **4:26**
